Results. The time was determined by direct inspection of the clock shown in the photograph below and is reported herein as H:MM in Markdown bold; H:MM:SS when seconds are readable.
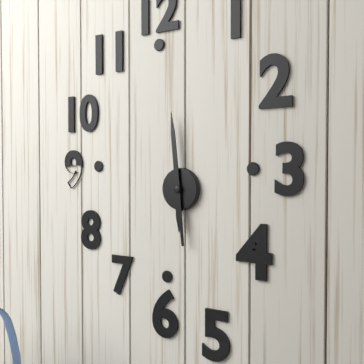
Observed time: **5:59**
